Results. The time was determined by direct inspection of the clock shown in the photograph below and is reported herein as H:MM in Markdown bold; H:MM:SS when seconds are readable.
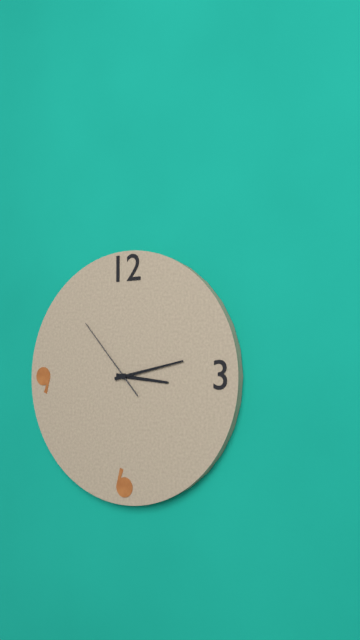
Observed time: **3:13:53**
